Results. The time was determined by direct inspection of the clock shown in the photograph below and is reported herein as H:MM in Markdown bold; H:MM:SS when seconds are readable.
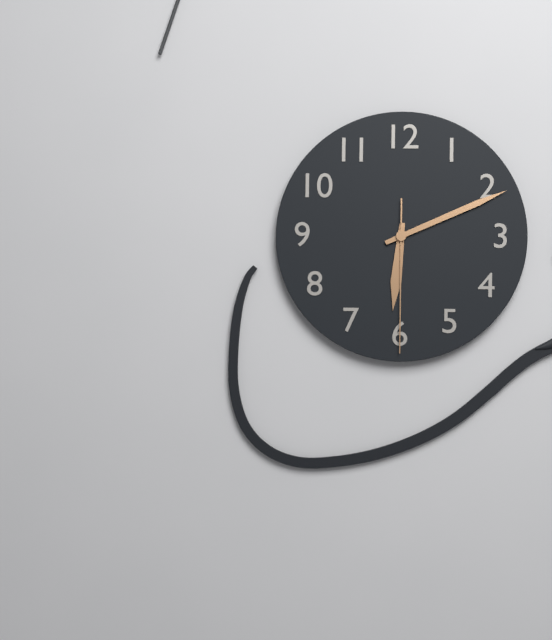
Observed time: **6:11:30**
